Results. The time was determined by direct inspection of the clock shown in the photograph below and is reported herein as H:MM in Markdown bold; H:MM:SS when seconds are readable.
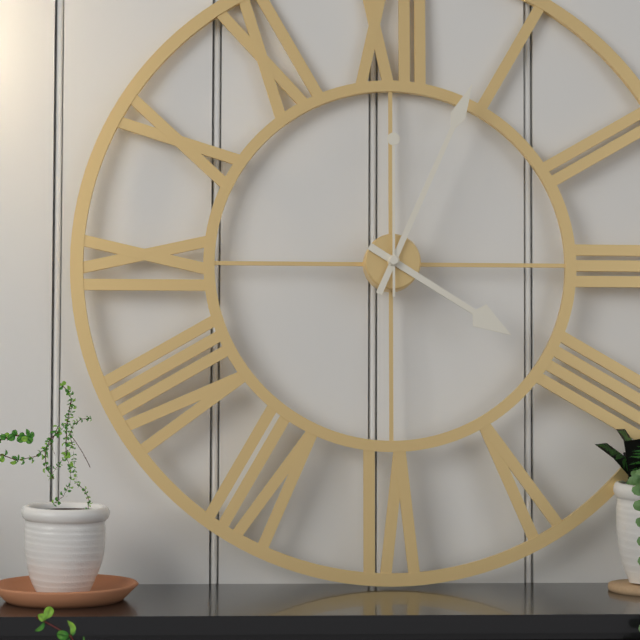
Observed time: **4:04:00**
